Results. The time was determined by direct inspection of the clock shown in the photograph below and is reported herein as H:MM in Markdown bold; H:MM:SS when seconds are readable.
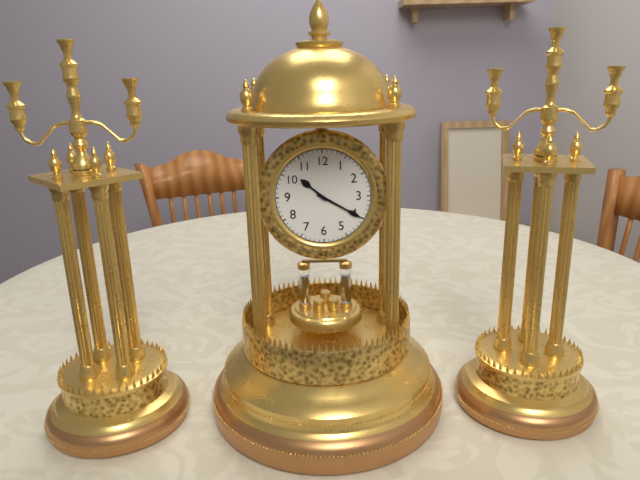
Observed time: **10:20**
